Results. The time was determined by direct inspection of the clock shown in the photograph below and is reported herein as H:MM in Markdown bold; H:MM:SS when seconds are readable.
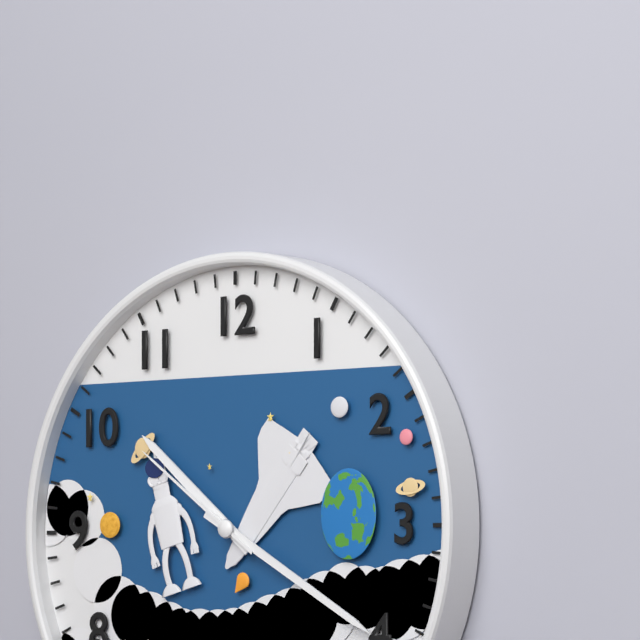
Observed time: **10:20:51**
